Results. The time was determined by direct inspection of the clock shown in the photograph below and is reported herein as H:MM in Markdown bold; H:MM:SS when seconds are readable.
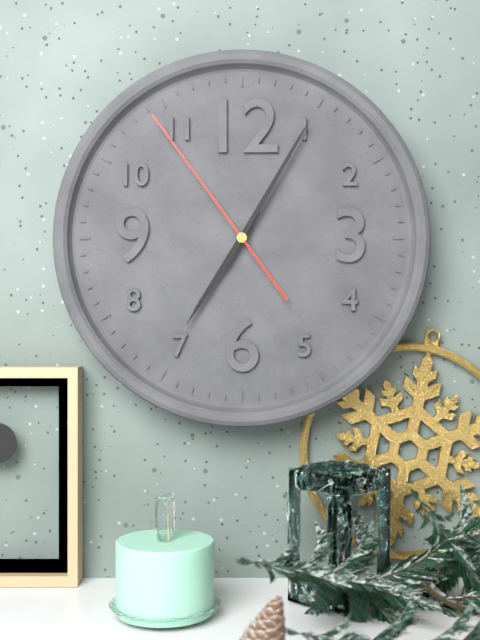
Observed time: **7:05:54**
